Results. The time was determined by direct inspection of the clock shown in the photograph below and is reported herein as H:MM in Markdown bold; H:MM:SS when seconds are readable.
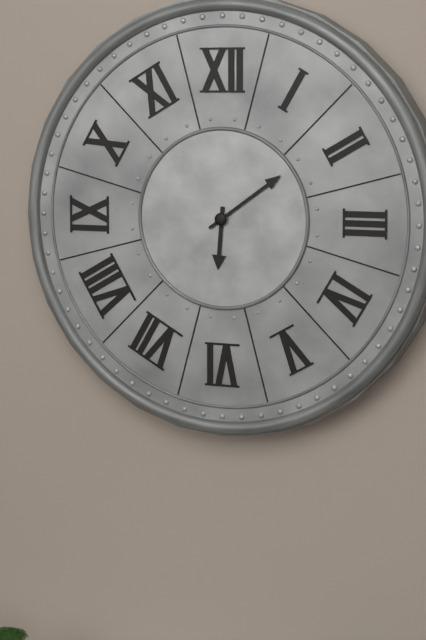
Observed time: **6:09**
